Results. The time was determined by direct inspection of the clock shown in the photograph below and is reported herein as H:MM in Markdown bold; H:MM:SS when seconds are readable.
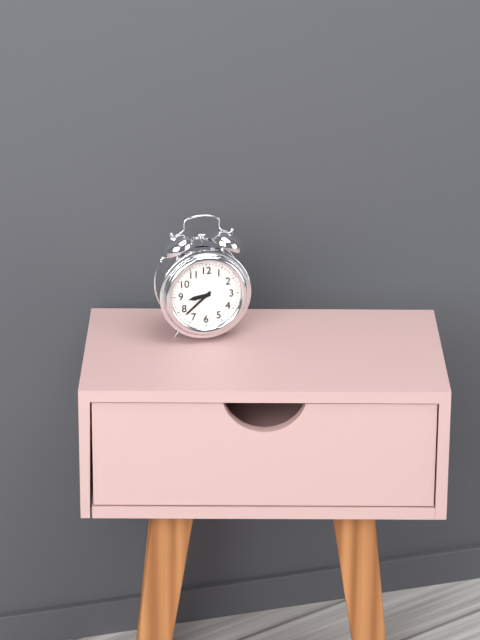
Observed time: **8:38**
